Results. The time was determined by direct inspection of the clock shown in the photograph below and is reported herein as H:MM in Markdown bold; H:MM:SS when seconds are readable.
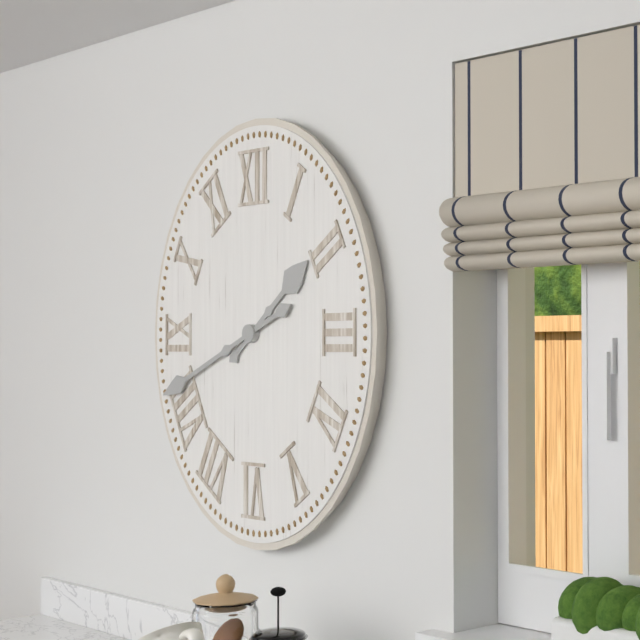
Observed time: **1:41**
